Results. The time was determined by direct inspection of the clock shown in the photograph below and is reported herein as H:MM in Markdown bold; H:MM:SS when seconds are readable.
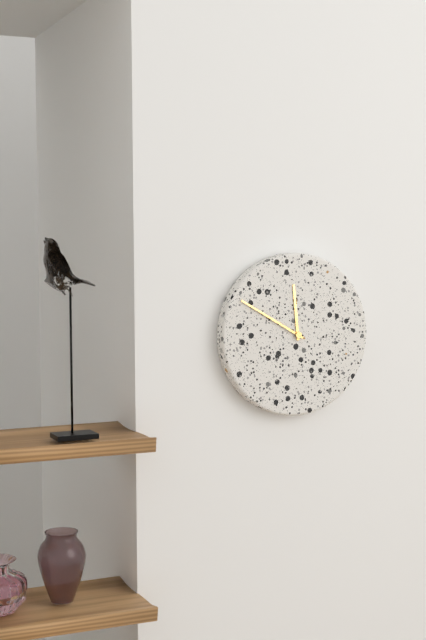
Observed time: **11:50**
